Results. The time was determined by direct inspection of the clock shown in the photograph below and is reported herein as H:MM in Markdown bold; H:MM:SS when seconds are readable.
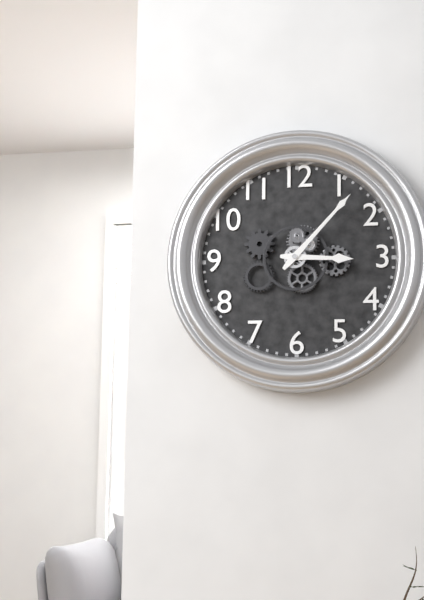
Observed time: **3:07**
